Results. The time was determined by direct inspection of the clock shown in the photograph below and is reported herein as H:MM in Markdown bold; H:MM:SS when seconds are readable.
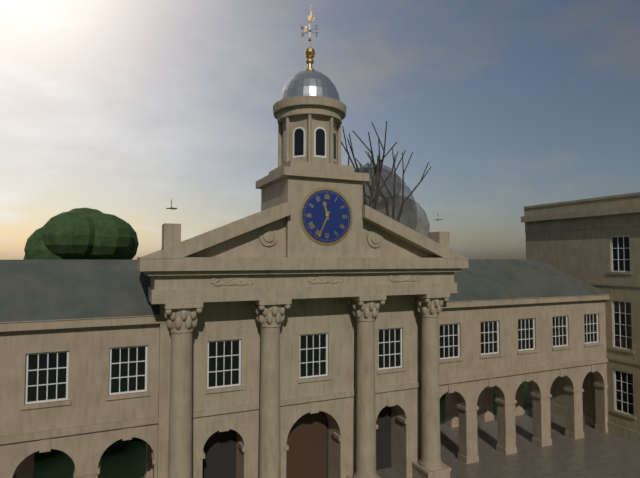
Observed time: **11:34**
